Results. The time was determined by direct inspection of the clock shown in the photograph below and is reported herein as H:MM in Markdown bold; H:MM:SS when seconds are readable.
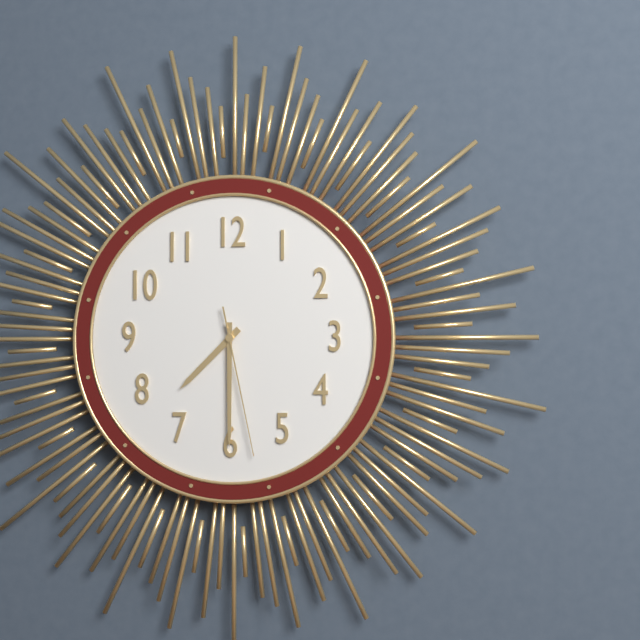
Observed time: **7:30:28**
